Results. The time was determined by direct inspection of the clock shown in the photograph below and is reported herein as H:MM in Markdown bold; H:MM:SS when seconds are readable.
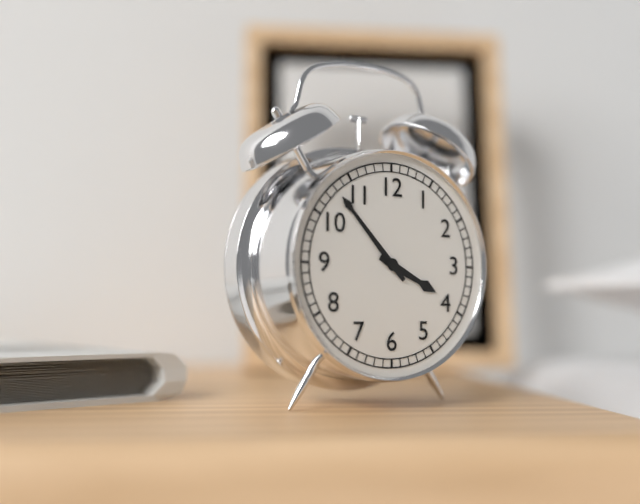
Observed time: **3:53**
